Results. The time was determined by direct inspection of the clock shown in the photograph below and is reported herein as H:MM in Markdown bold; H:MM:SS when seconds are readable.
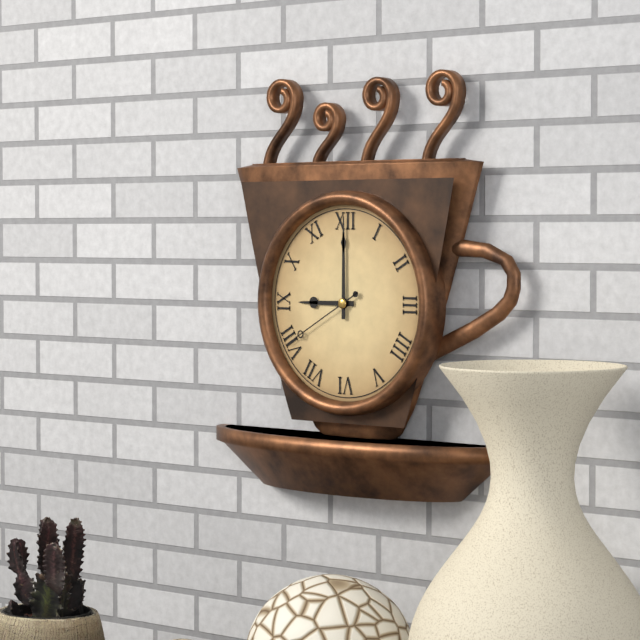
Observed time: **9:00:40**
